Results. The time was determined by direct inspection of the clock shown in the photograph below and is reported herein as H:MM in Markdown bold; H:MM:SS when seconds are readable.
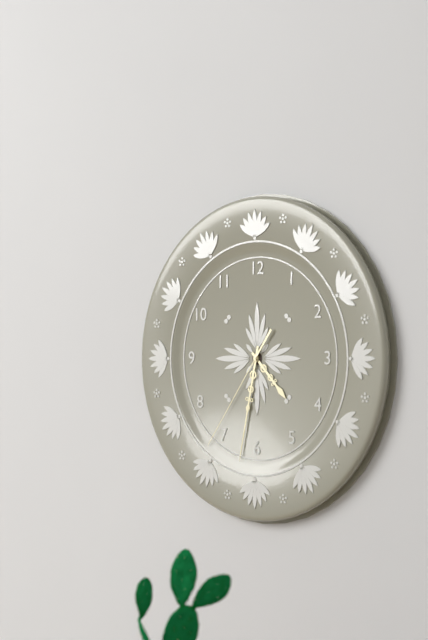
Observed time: **4:32:36**
